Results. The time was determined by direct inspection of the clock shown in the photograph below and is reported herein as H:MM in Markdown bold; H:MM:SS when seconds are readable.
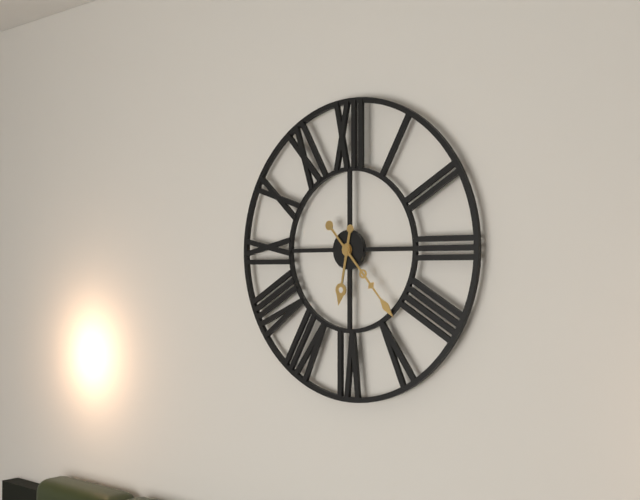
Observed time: **6:23**
